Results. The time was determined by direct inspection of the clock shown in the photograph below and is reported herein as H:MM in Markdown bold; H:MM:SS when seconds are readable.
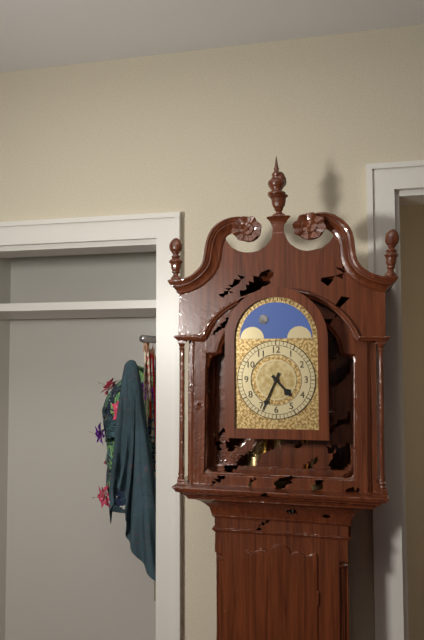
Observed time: **4:34**
